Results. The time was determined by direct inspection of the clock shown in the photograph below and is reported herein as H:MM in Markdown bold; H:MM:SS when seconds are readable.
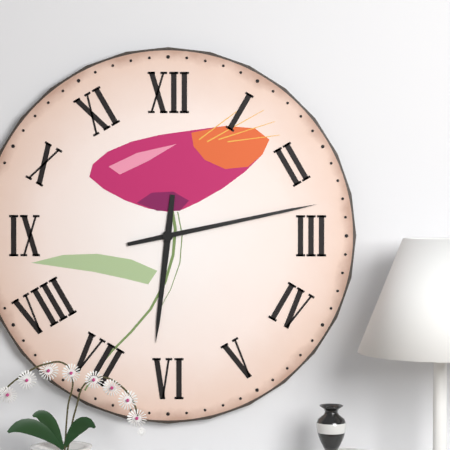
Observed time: **6:13**
